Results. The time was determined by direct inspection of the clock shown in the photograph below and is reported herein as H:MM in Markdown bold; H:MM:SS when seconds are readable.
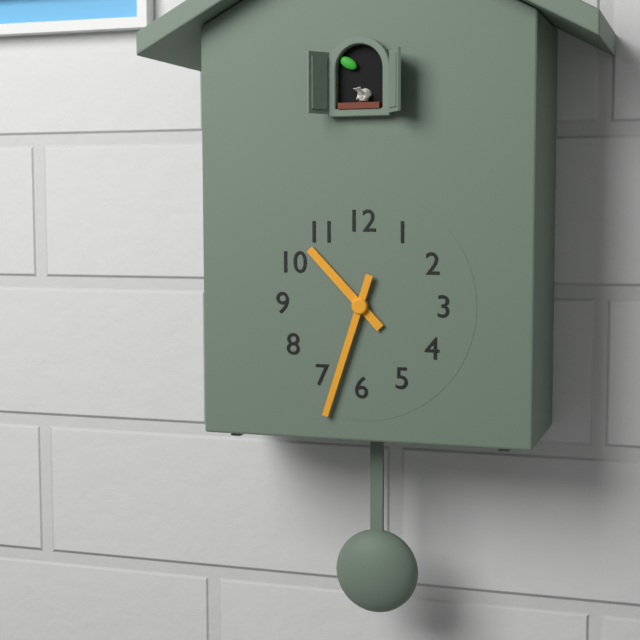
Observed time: **10:33**
